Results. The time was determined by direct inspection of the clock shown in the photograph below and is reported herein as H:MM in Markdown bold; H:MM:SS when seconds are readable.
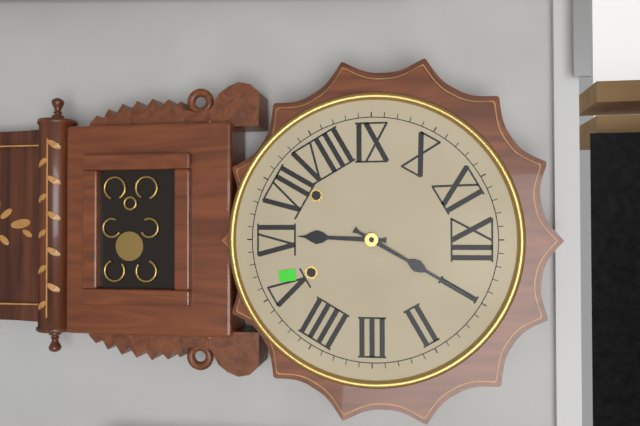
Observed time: **6:05**
